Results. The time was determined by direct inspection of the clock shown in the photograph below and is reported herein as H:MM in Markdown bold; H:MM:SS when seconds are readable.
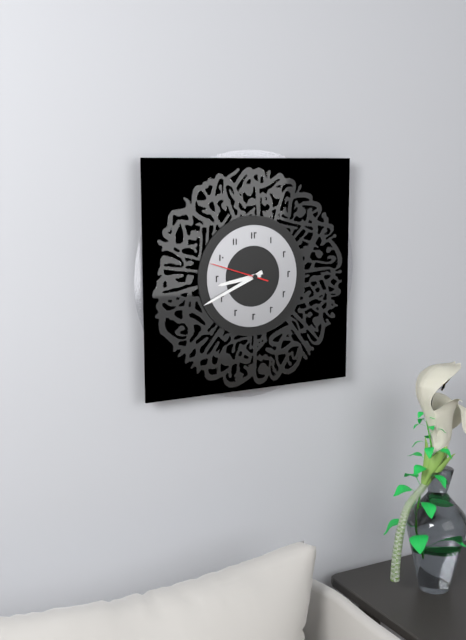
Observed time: **8:41:48**
